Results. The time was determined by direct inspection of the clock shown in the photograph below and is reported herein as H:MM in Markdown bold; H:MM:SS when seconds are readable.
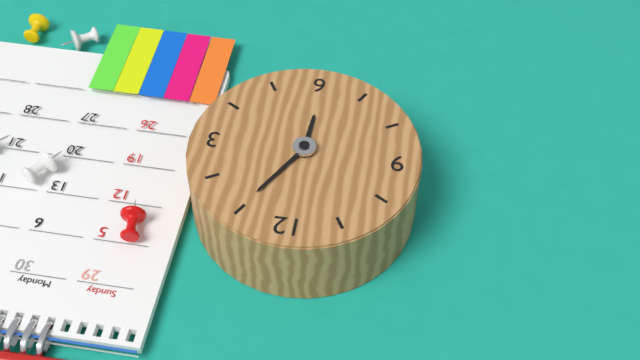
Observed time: **6:05**
